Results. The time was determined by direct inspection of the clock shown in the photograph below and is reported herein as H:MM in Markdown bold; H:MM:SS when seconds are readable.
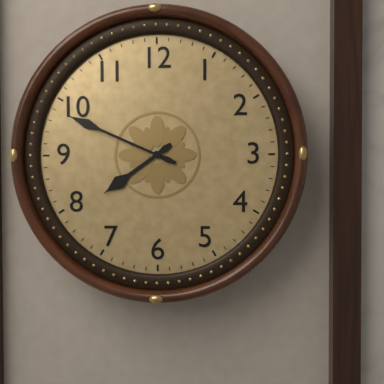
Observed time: **7:49**
